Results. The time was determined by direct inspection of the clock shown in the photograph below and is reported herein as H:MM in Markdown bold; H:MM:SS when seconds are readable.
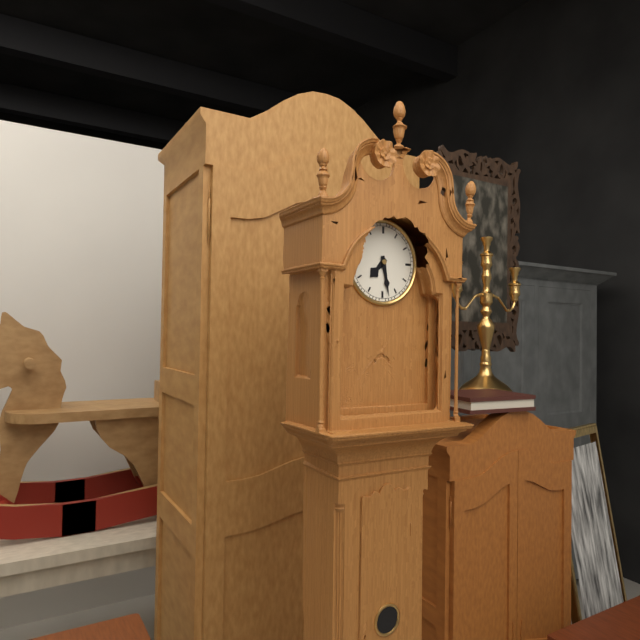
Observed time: **7:28**
